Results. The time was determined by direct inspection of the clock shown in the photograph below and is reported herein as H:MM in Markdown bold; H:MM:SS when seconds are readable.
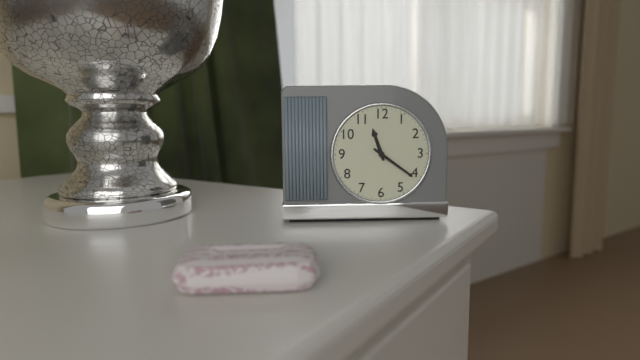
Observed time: **11:21**
